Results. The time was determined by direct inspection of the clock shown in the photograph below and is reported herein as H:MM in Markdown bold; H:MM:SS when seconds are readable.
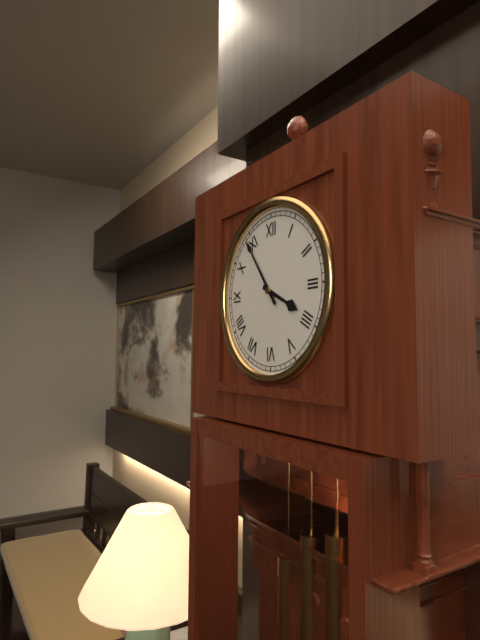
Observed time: **3:54**
